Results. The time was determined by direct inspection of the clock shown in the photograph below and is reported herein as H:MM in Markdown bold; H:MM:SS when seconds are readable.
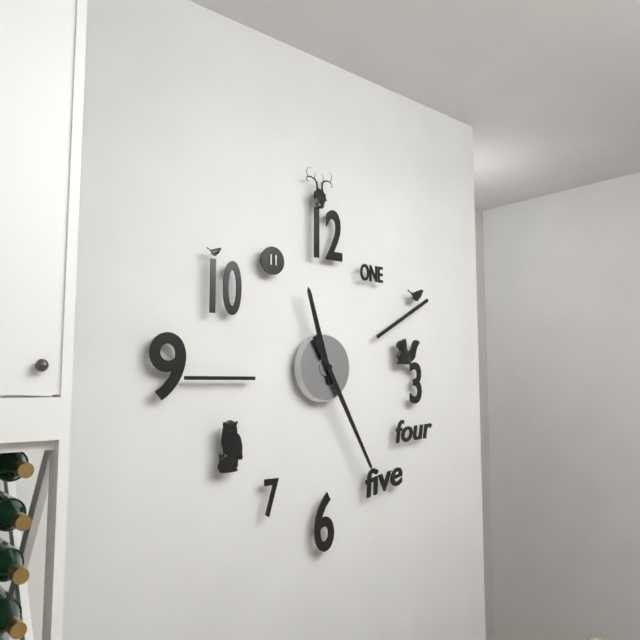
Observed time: **11:25**
